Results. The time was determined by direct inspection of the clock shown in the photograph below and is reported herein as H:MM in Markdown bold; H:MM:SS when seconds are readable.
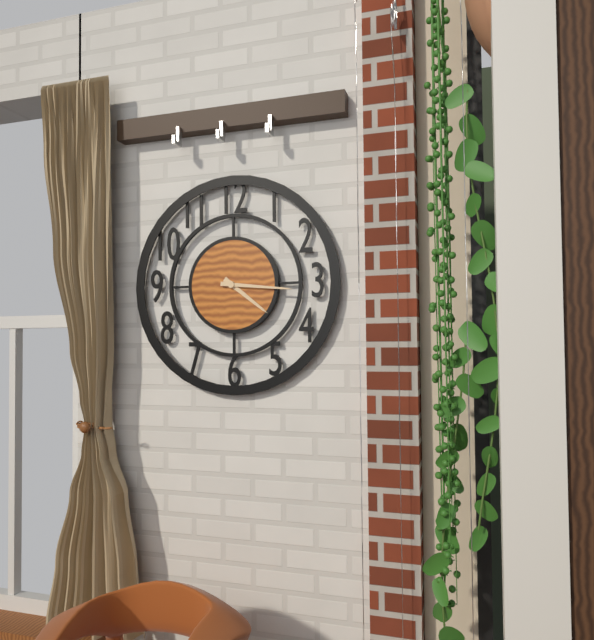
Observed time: **4:16**
